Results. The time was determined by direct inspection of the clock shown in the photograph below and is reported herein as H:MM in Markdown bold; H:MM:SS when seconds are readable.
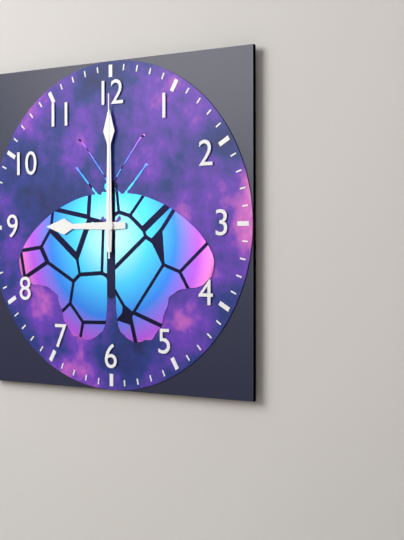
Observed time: **9:00:00**
